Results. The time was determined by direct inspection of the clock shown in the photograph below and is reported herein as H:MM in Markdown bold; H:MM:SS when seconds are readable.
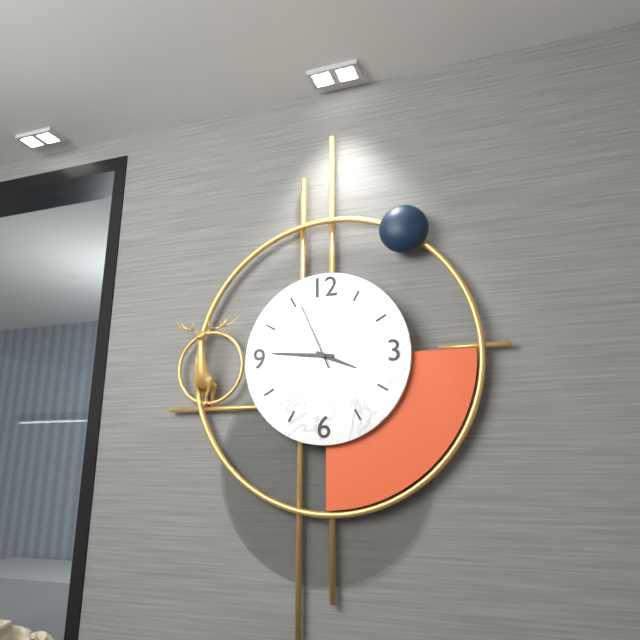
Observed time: **3:46:56**
